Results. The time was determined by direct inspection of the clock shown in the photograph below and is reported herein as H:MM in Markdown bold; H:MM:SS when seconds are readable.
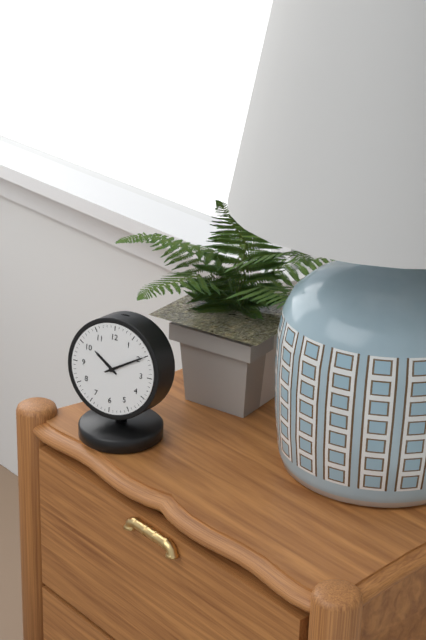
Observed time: **10:10**
